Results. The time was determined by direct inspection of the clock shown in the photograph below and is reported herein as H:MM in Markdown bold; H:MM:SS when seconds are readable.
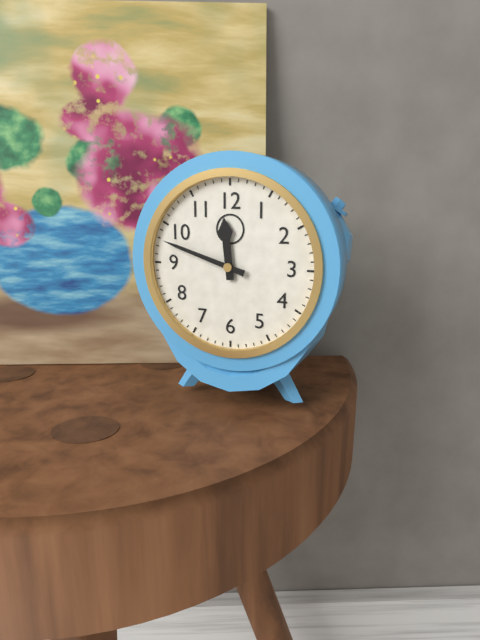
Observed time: **11:48**
